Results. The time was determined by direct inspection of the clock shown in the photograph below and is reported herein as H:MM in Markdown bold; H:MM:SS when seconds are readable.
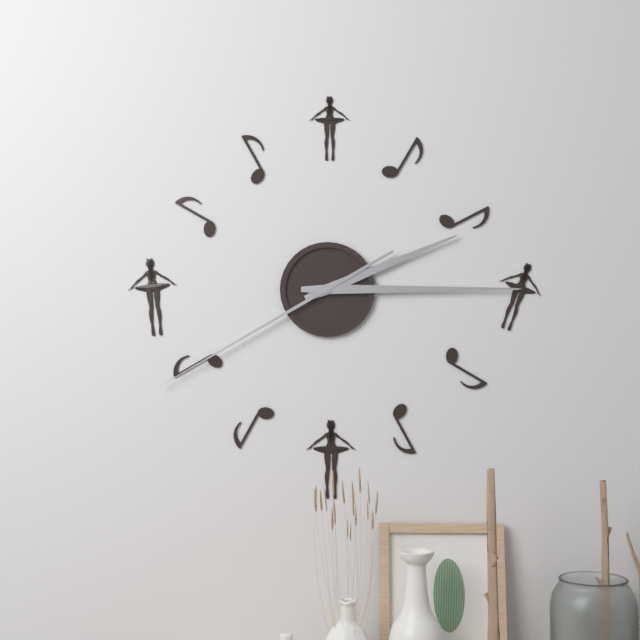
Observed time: **2:15:40**
